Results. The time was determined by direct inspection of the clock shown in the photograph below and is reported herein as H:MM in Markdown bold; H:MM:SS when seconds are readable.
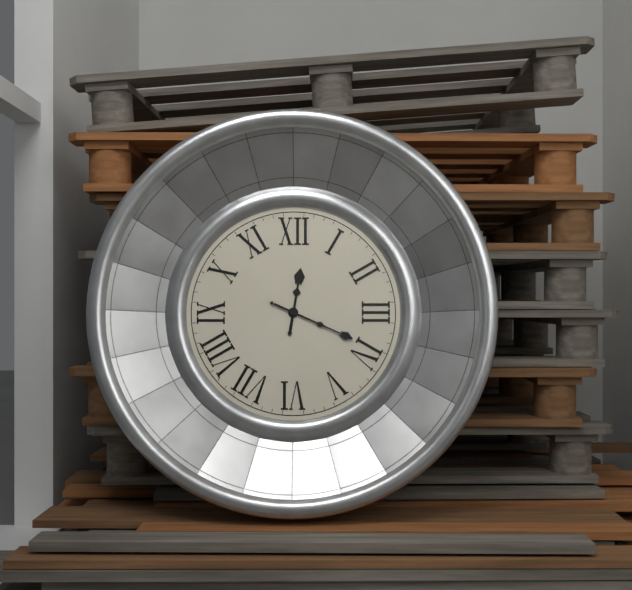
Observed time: **12:19**
